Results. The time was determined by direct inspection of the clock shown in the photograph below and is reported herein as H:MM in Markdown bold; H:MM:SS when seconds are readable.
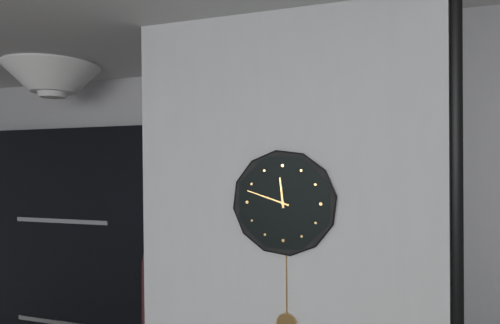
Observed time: **11:48**
